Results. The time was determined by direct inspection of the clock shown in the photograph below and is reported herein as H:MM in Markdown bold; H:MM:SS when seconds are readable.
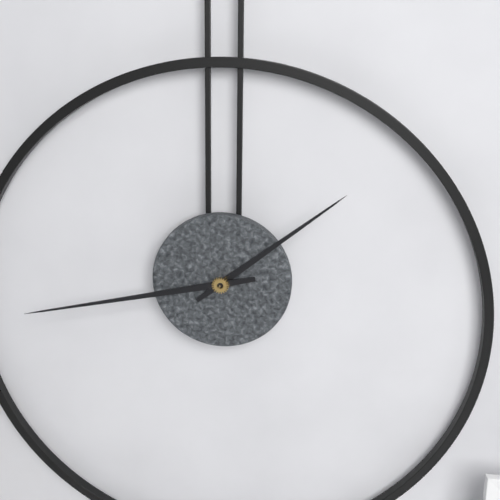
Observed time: **1:43**
